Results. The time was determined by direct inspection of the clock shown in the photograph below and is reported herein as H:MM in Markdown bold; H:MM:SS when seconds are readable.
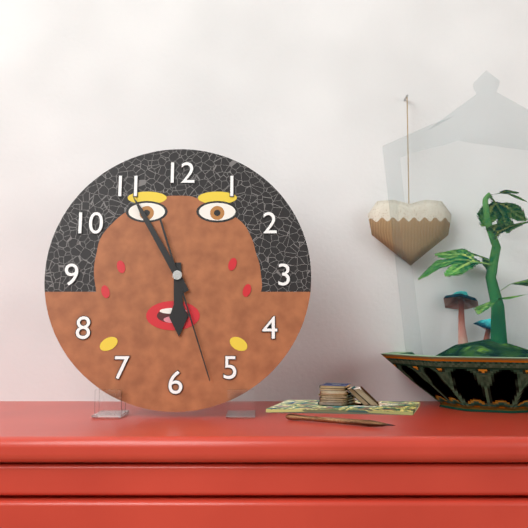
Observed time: **5:55:27**
